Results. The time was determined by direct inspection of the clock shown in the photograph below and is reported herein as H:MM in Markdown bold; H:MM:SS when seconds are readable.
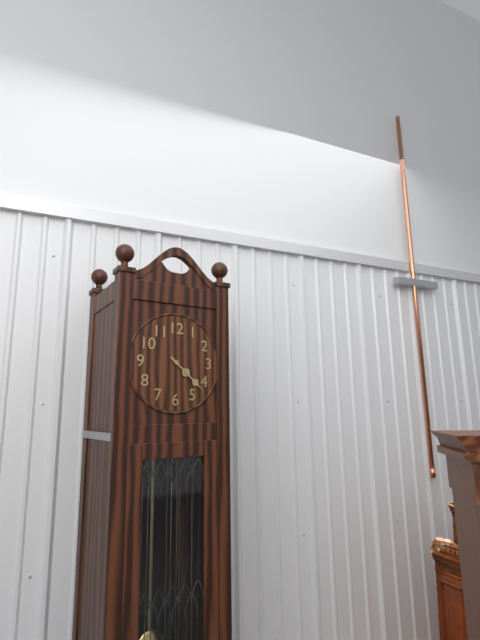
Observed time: **4:22**
